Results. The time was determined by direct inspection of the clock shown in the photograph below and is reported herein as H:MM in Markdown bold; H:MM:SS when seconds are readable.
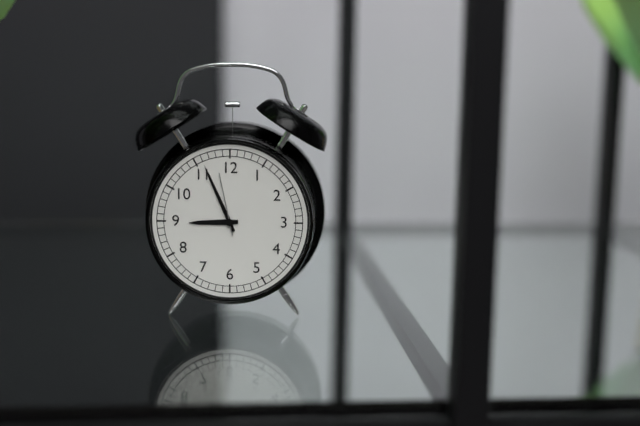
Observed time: **8:56:58**
